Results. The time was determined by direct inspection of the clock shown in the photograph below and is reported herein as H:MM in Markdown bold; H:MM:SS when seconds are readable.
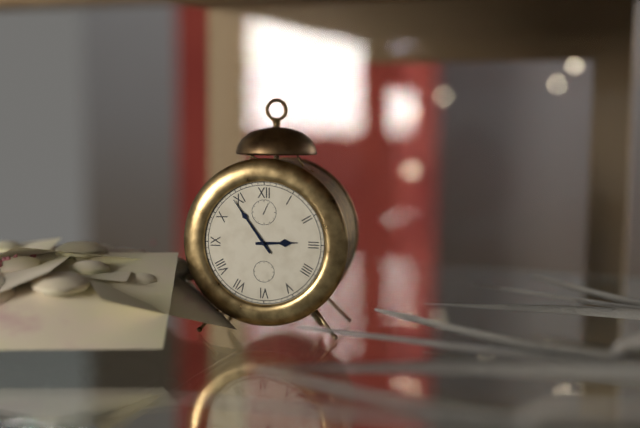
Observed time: **2:54**
